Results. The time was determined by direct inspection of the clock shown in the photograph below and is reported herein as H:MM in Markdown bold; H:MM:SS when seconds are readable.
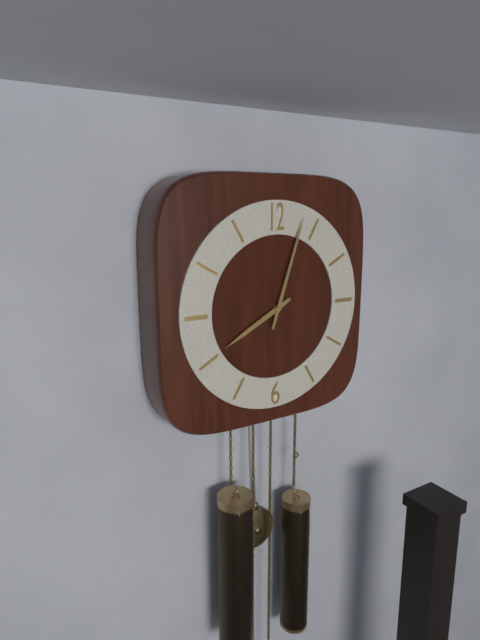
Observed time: **8:03**
